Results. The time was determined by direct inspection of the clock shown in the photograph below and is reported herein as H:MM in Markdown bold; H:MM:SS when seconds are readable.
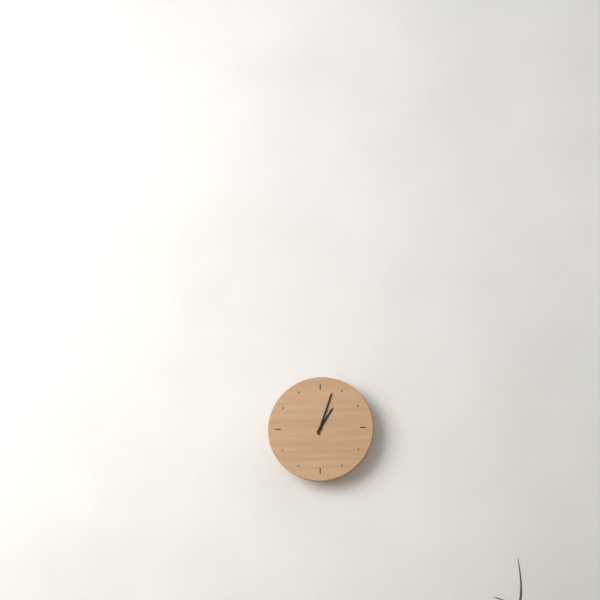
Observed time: **1:03**
